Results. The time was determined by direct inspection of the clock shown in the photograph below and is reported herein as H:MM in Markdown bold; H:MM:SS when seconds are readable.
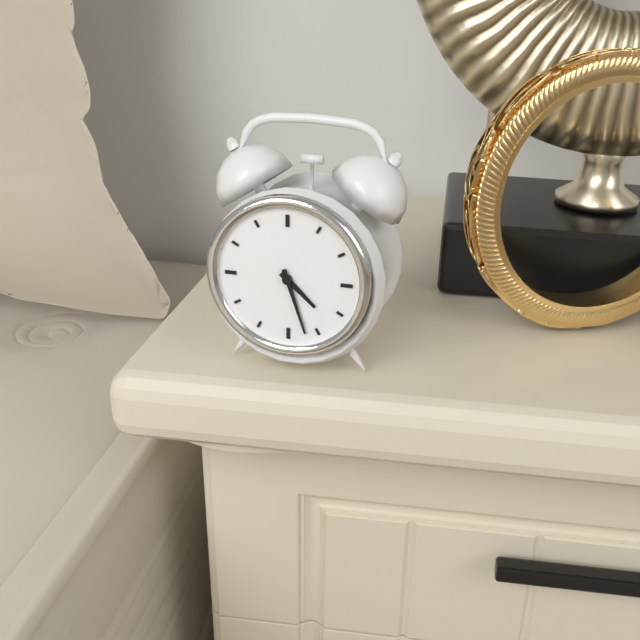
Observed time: **4:27**
